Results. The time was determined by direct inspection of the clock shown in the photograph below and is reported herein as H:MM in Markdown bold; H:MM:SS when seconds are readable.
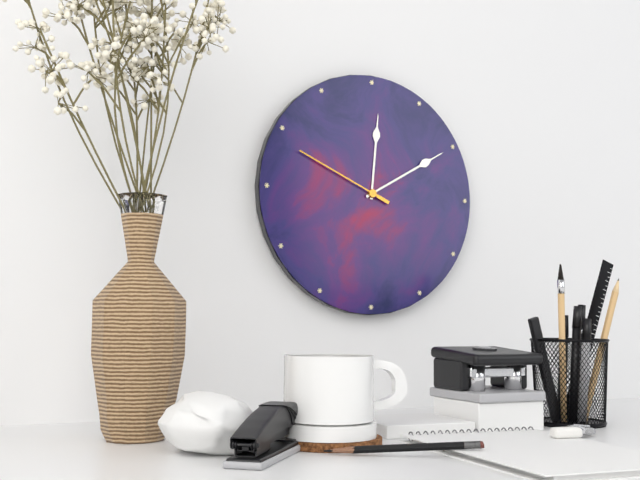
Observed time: **12:10:49**
